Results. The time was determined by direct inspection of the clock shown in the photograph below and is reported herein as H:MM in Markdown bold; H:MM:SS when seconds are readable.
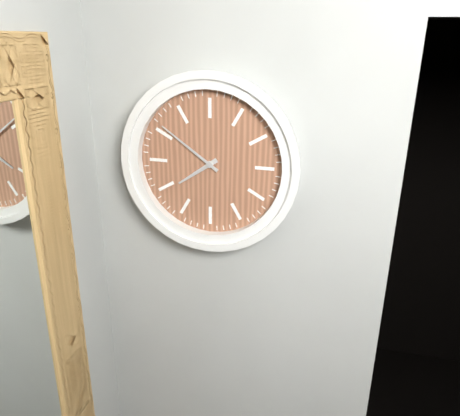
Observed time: **7:51**
